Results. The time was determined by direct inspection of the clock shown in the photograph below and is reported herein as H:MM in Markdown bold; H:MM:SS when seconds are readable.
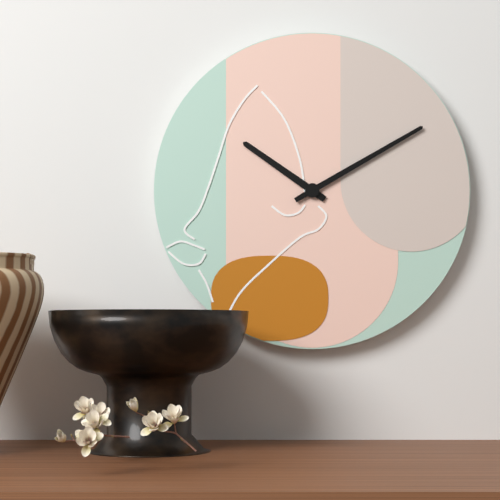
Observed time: **10:10**
